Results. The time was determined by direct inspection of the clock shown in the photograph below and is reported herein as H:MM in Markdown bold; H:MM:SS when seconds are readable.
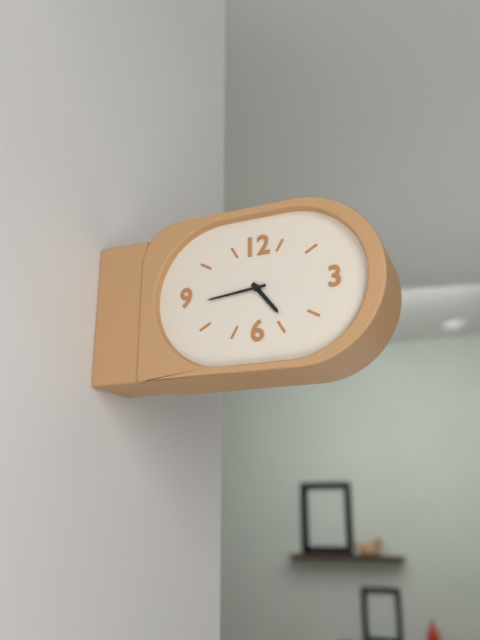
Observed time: **4:44**
